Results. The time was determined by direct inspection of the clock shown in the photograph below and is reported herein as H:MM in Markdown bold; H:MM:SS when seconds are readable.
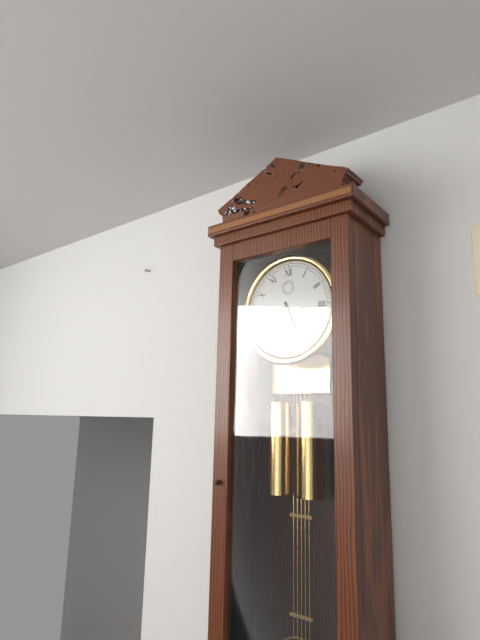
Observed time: **3:26**
